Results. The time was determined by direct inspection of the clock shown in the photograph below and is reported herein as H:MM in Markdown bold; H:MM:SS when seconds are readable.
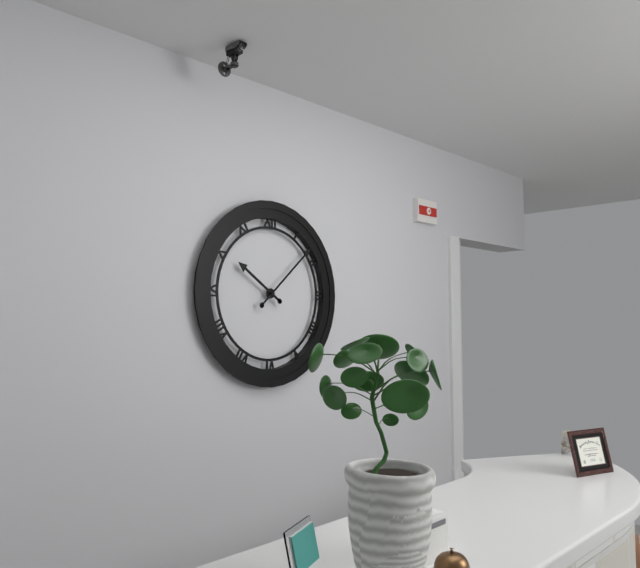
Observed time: **10:08**
